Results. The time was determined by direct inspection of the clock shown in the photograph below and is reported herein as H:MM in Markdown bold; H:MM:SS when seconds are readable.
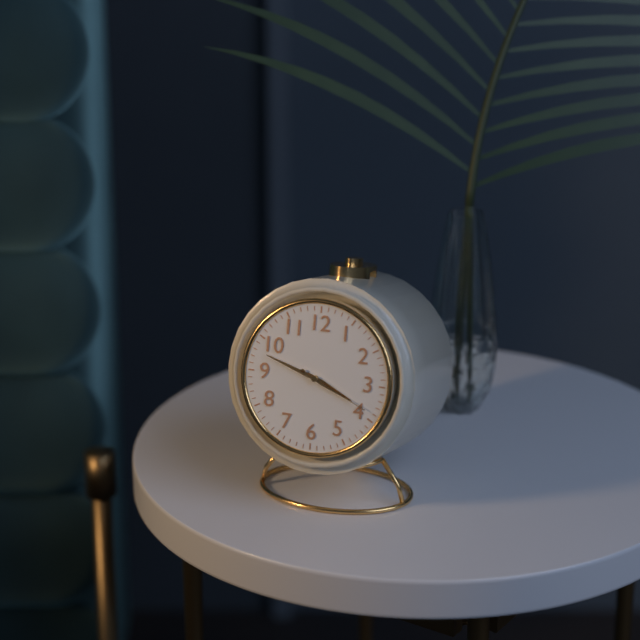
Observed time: **3:48:19**
